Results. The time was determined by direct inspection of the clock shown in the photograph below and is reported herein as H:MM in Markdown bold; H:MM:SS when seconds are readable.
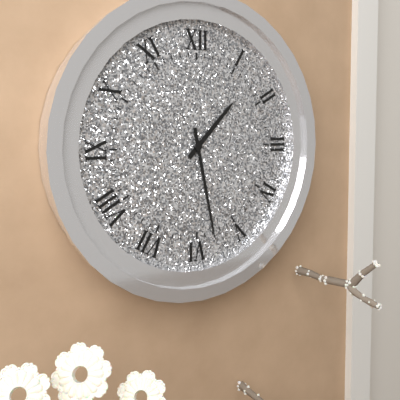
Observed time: **1:28**
